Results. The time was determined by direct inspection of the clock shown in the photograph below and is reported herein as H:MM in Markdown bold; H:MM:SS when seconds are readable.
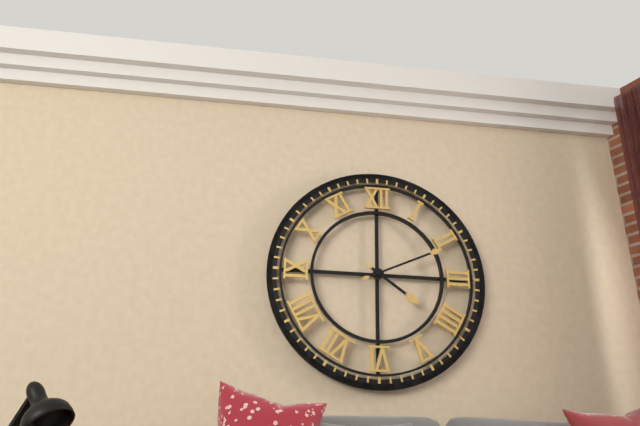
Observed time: **4:11**
